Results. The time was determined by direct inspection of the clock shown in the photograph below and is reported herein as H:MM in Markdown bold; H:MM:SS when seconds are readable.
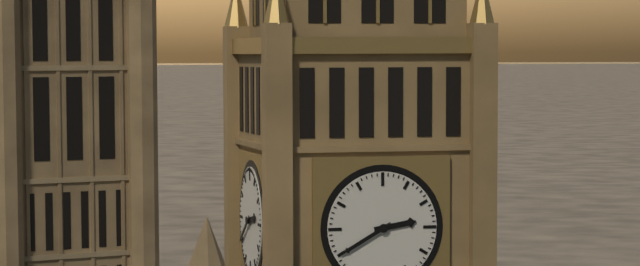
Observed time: **2:40**
